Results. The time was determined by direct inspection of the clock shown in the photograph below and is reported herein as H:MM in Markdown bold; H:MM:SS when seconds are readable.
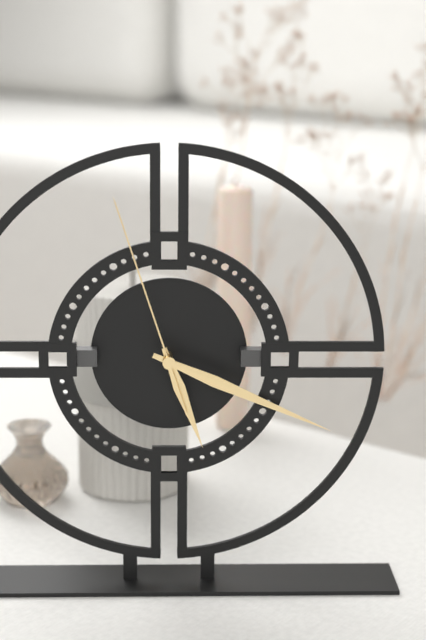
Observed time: **5:19:57**
